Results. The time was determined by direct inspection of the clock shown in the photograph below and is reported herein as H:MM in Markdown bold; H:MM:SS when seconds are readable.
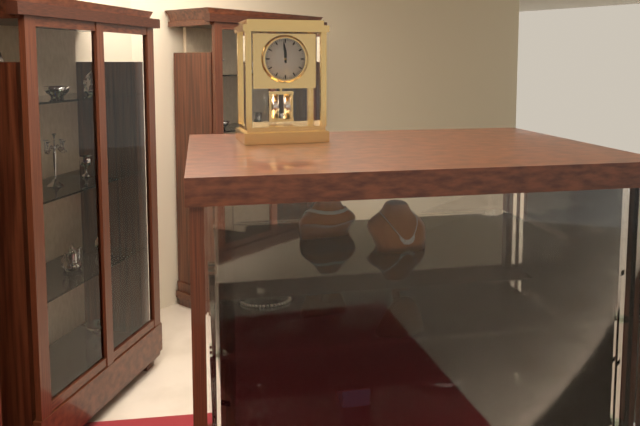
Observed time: **11:59**
